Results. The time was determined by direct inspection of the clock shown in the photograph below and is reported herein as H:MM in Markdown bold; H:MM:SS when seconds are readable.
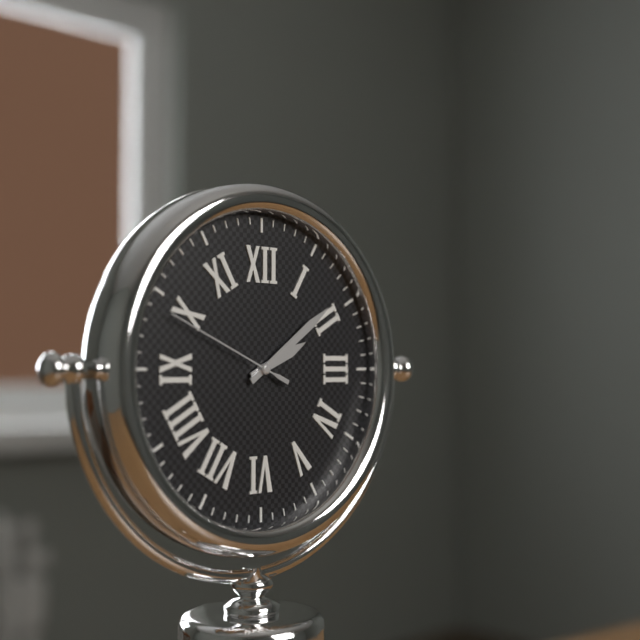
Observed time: **2:09:49**
